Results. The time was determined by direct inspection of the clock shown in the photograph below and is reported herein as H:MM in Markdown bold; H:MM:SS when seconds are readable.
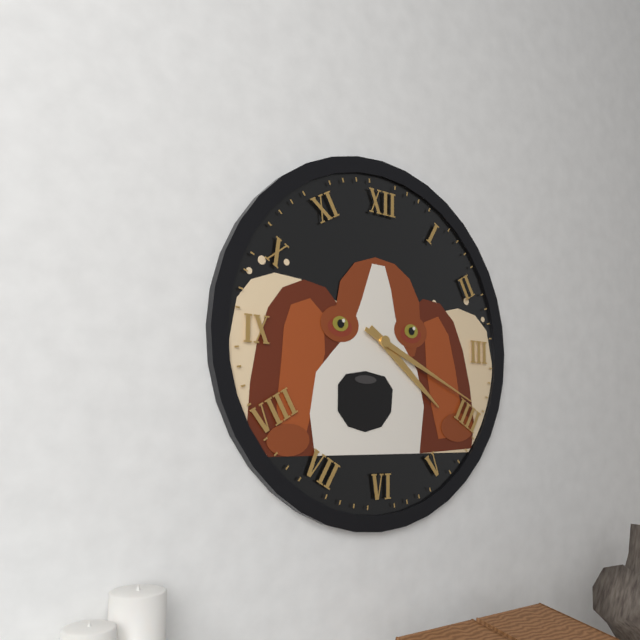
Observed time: **4:19**
